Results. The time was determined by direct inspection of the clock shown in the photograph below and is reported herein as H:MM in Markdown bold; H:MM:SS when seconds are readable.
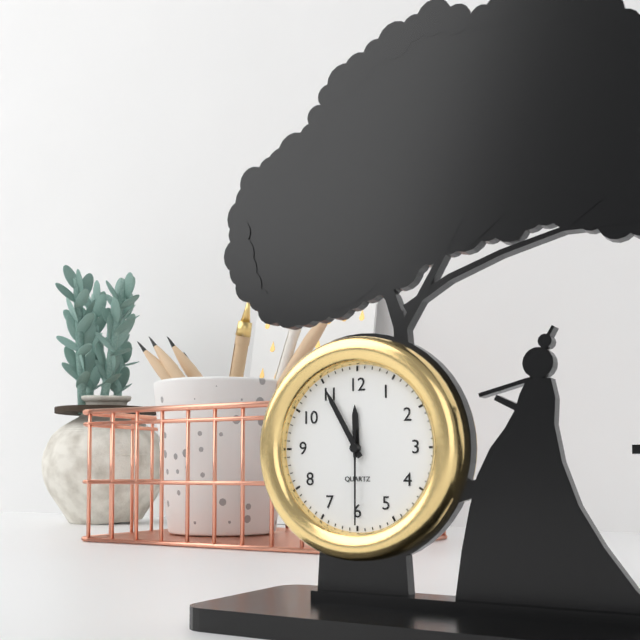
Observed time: **11:55:30**
